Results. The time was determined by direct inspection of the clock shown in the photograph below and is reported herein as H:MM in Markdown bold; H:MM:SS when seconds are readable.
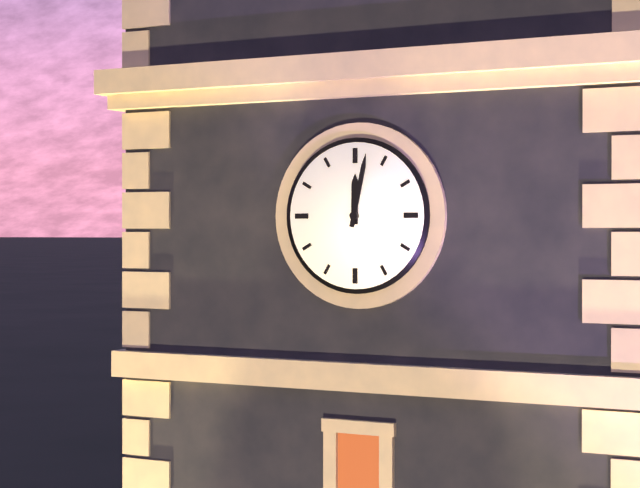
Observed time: **12:02**
